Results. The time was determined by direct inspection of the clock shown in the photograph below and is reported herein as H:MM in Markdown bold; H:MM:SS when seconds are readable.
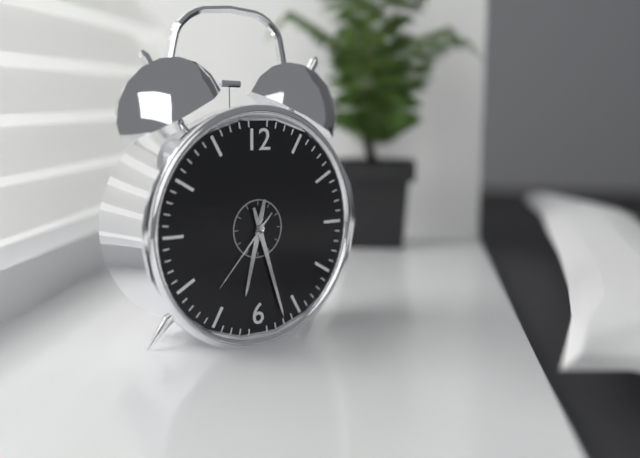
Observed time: **6:27:37**
